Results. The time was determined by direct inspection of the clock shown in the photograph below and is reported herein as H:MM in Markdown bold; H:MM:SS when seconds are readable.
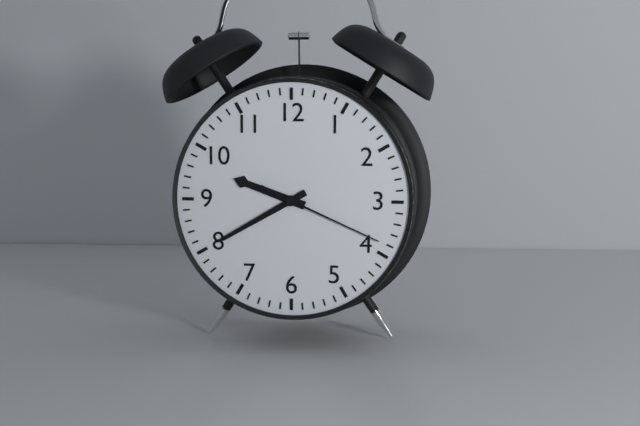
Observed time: **9:40:19**
